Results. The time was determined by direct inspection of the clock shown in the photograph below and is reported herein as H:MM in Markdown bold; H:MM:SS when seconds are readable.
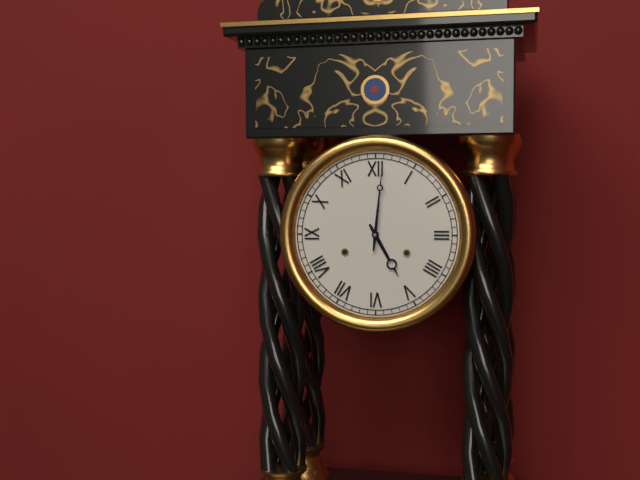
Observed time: **5:01**
